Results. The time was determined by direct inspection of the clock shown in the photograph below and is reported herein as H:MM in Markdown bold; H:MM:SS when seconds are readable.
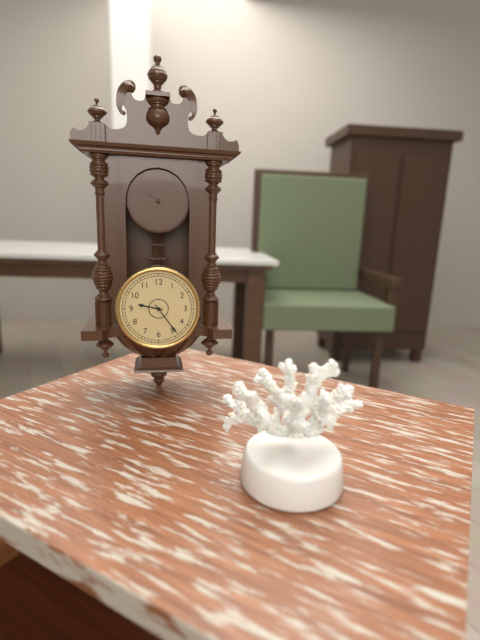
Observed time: **9:24**
